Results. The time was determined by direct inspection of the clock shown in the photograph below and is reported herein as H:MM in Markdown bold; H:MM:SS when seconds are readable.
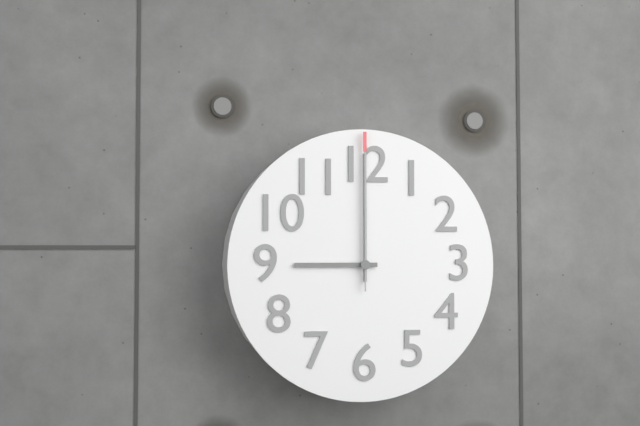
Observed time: **9:00:00**
